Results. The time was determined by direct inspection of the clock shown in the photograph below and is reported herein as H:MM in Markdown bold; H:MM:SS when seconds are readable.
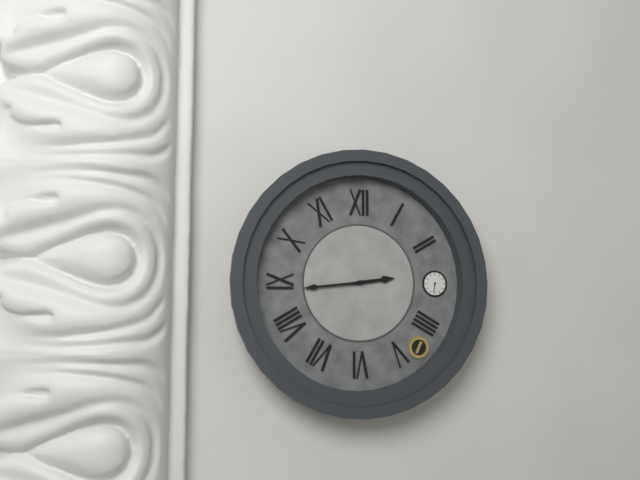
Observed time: **2:44**
